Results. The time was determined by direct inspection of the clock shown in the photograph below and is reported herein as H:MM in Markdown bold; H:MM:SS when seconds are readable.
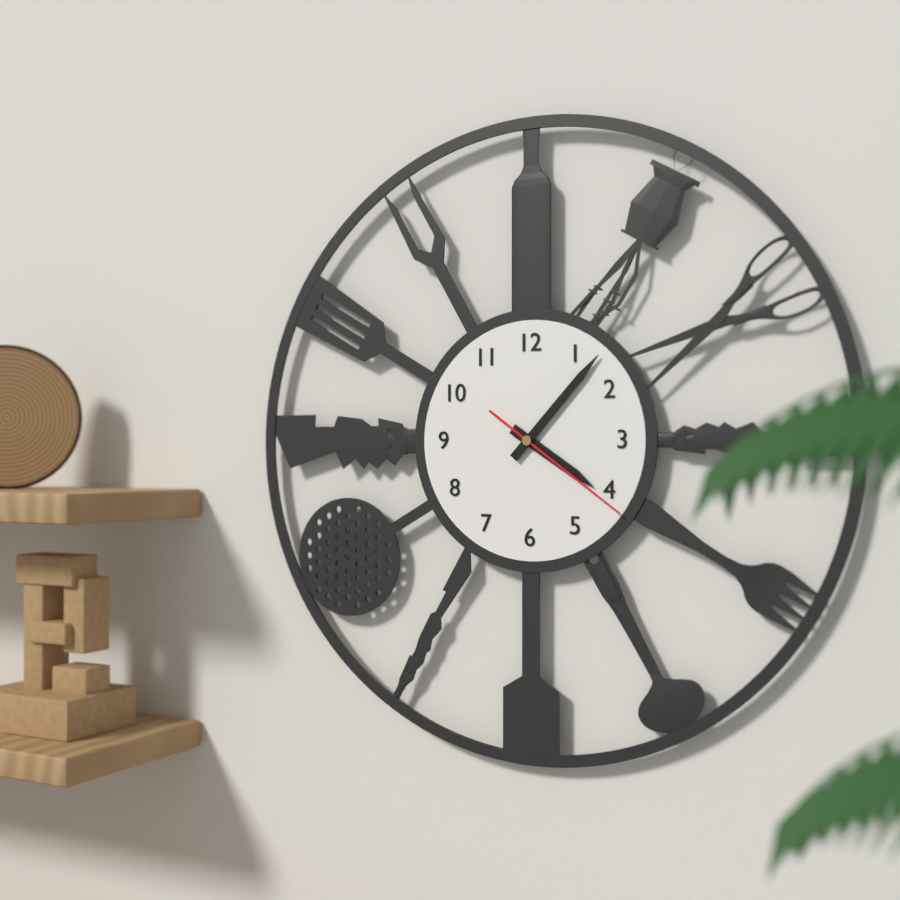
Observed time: **4:07:21**
